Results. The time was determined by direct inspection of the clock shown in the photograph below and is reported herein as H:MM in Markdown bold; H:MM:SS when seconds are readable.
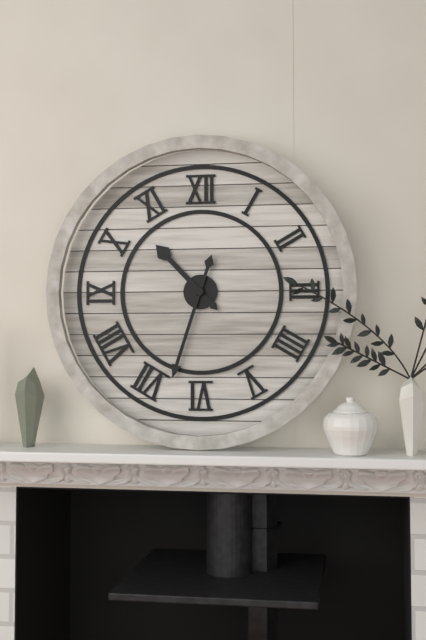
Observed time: **10:33**
